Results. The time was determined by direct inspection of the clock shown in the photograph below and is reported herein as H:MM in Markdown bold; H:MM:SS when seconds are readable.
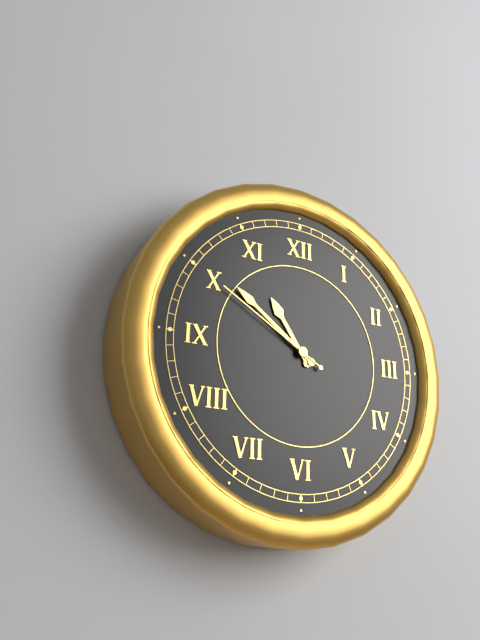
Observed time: **10:51:50**
